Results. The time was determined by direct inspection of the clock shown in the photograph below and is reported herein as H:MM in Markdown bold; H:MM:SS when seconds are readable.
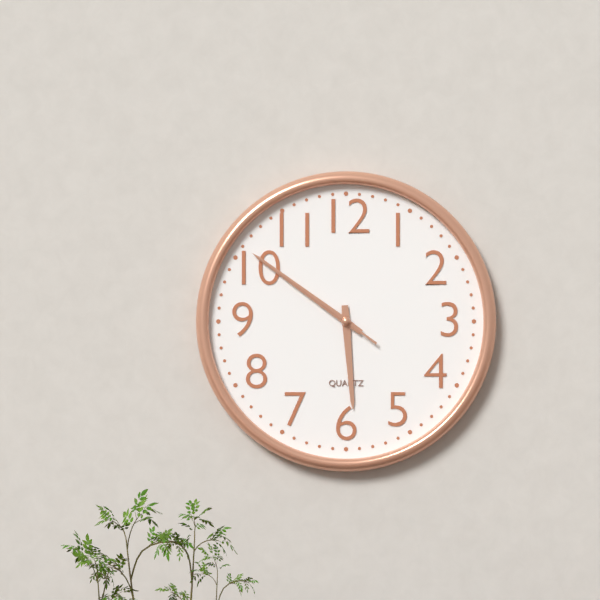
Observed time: **5:51:51**
